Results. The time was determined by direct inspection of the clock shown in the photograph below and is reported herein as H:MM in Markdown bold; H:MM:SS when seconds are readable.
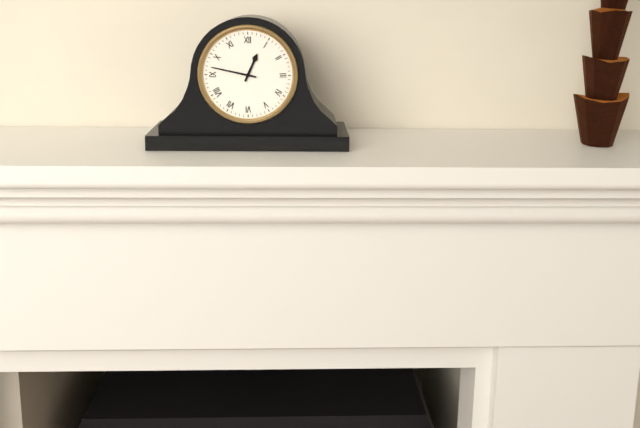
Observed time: **12:47**
